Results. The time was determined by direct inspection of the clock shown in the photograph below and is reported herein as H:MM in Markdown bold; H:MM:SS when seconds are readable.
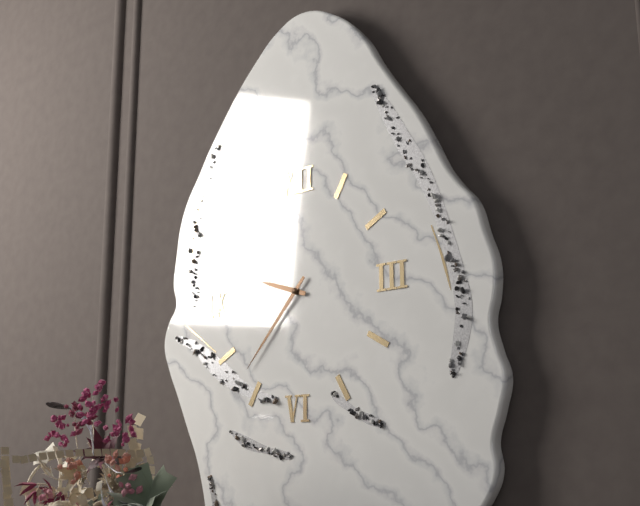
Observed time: **9:37**
